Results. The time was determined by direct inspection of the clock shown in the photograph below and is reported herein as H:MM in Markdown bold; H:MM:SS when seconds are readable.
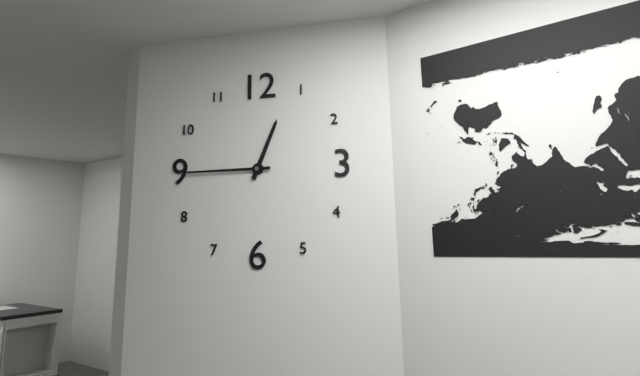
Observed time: **12:45**
